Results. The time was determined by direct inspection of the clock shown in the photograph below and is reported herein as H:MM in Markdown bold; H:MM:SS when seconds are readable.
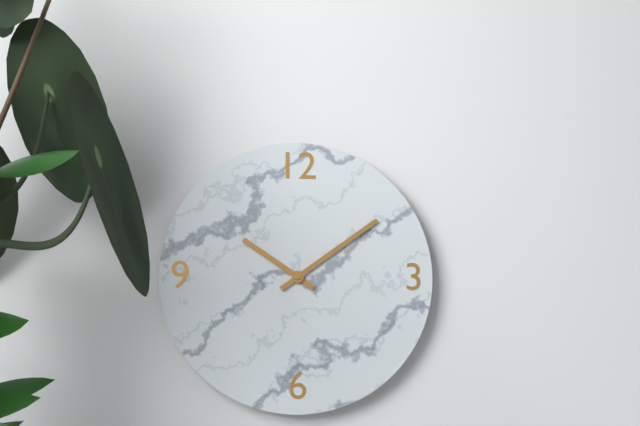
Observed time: **10:09**
